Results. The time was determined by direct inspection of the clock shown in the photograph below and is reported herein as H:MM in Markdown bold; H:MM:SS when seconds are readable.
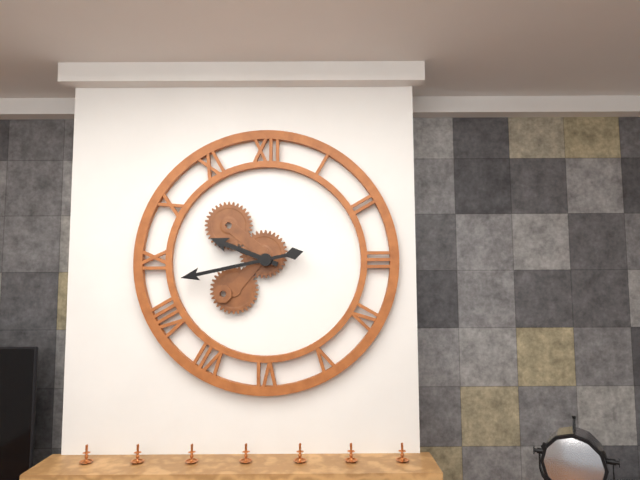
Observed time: **9:43**
